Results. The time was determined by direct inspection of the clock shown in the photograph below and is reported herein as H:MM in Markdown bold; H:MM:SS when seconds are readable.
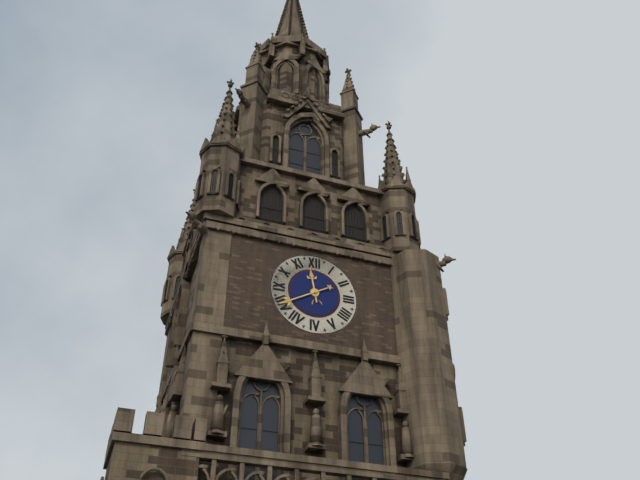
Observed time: **11:40**
